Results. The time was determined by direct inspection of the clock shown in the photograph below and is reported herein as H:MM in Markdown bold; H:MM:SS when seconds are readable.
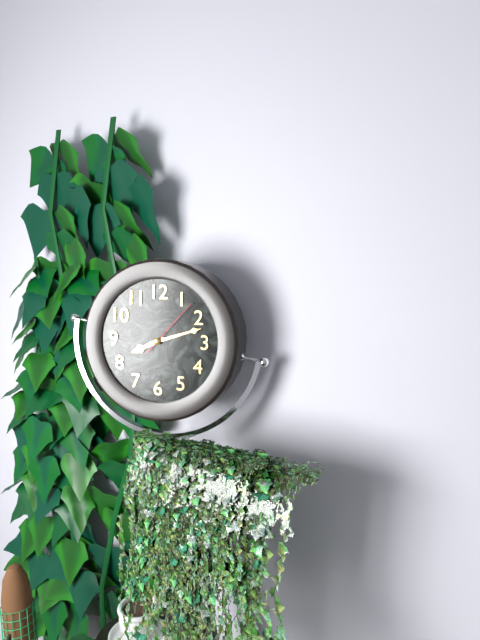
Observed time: **8:12:07**
